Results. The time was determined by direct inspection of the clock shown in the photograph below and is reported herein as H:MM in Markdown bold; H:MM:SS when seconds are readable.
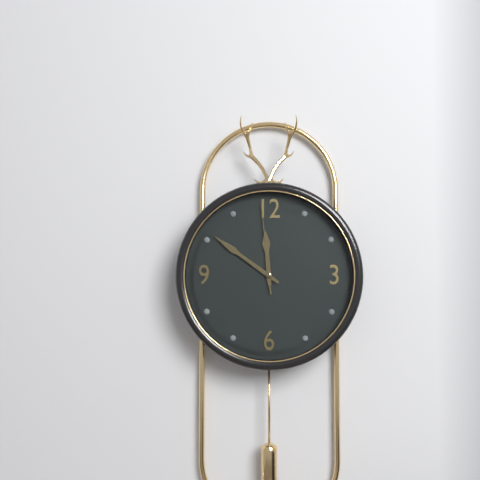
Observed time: **11:51:59**
